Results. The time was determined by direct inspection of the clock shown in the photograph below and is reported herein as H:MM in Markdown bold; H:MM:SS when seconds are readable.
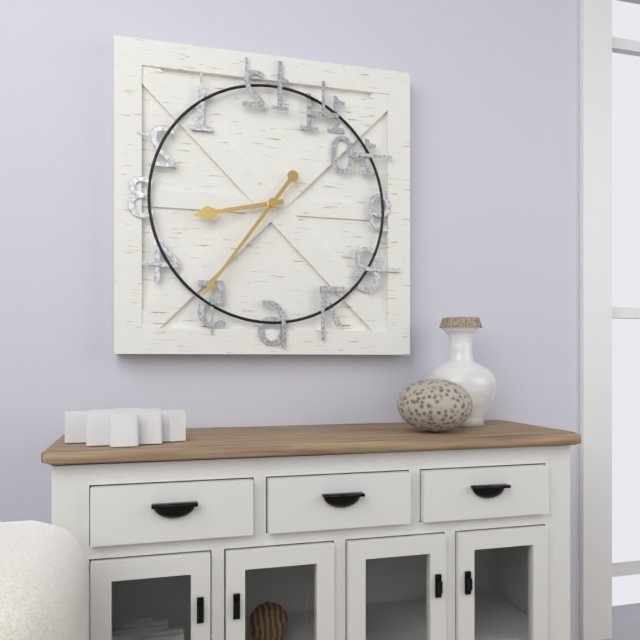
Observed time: **8:36**
